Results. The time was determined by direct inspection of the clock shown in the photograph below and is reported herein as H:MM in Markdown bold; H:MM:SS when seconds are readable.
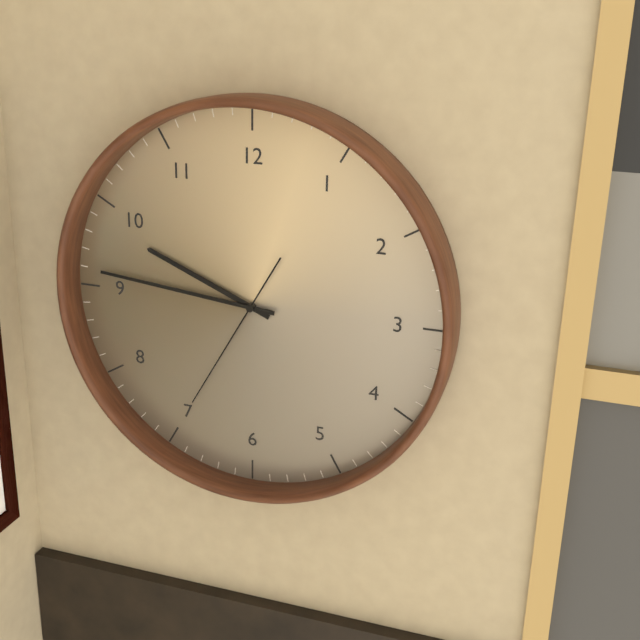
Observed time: **9:46:35**
